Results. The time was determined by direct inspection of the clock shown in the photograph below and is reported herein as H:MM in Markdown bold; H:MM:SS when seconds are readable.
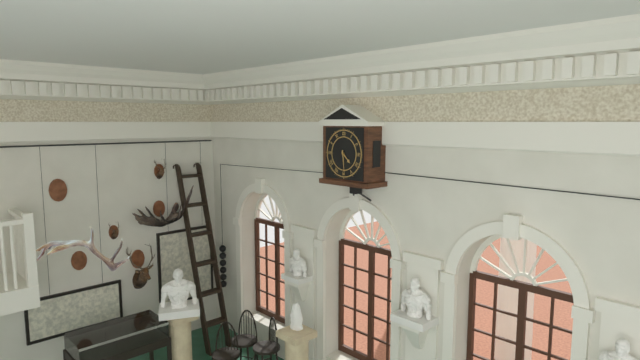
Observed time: **4:29**
